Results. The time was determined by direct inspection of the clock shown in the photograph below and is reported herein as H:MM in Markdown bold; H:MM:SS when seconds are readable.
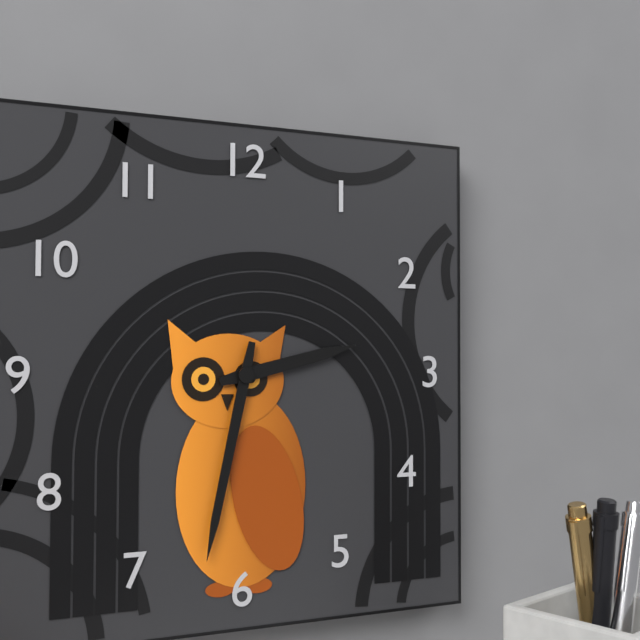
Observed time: **2:32**
